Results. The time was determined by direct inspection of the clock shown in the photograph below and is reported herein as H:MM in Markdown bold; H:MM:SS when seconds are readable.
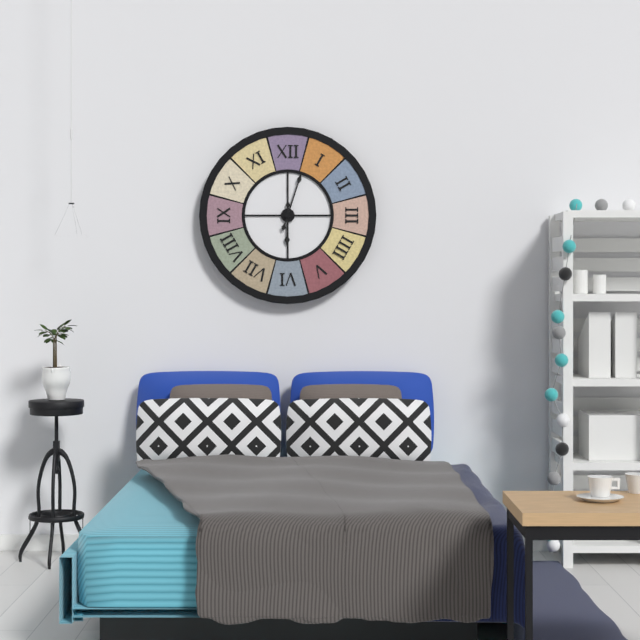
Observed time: **6:03**
